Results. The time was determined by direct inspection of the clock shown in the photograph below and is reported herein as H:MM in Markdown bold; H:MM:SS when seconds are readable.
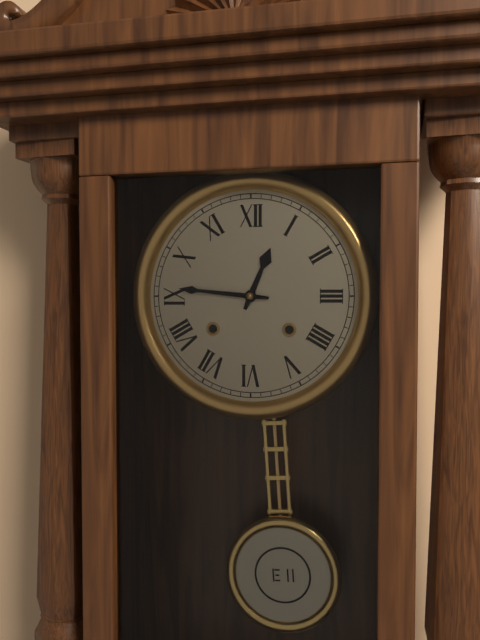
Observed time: **12:46**
